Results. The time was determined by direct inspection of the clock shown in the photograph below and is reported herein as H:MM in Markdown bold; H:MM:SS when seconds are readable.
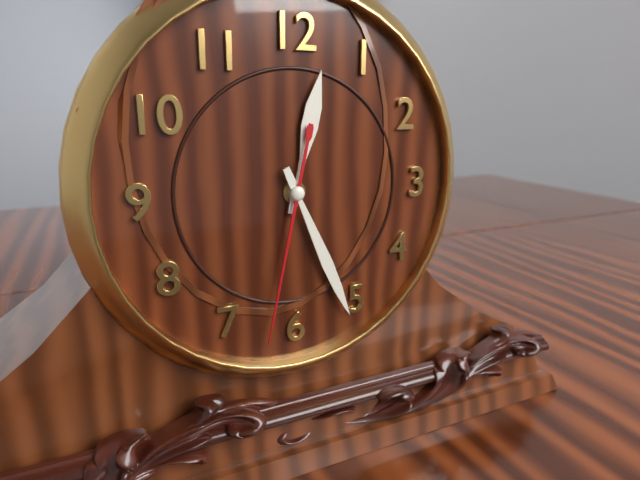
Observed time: **12:26:32**
